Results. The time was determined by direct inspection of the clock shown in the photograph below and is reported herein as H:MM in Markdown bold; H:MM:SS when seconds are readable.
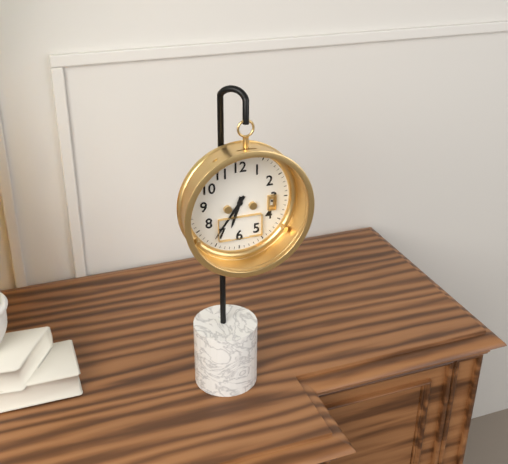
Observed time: **6:36**
